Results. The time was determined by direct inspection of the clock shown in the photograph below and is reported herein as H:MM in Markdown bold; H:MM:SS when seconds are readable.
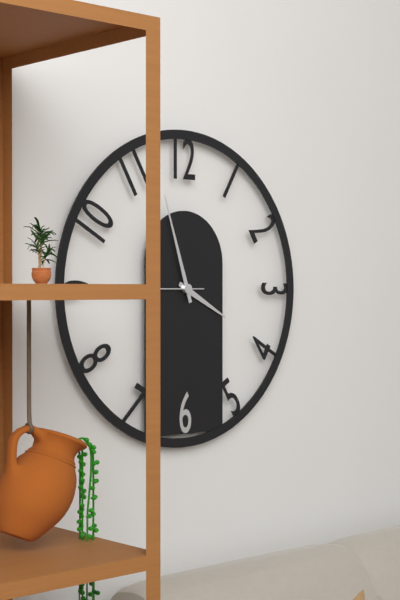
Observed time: **3:57**
